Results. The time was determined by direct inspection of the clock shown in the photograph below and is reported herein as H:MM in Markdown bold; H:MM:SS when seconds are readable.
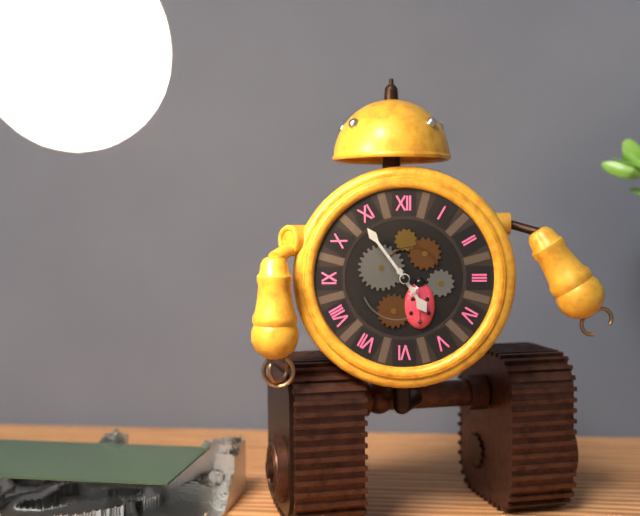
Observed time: **4:54**
